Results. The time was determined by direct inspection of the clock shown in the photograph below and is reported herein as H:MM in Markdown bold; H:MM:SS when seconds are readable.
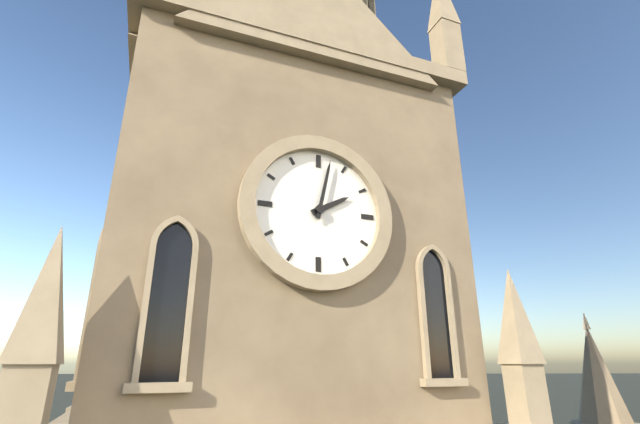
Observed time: **2:02**
